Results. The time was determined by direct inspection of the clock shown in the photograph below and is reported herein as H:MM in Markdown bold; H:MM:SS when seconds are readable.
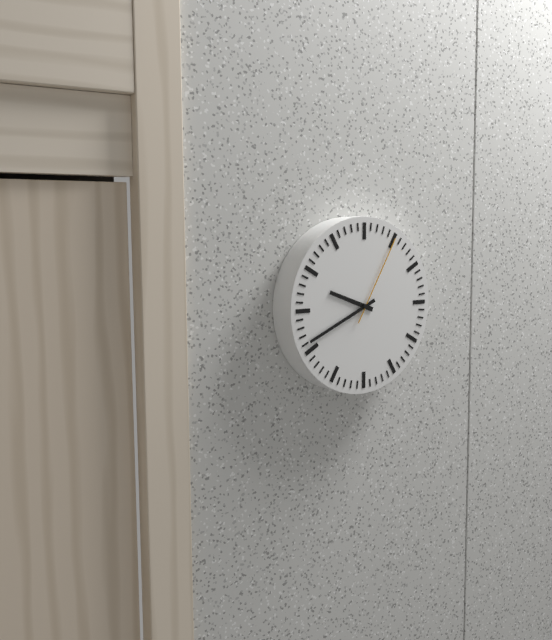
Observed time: **9:41:05**
